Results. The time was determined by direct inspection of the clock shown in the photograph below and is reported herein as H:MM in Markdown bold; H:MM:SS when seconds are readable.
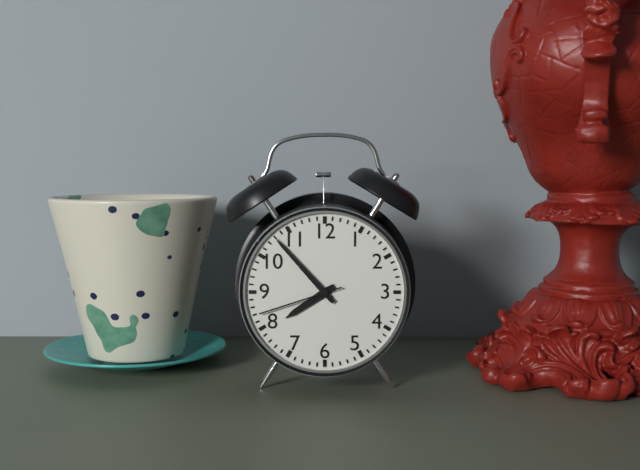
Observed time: **7:53:42**
